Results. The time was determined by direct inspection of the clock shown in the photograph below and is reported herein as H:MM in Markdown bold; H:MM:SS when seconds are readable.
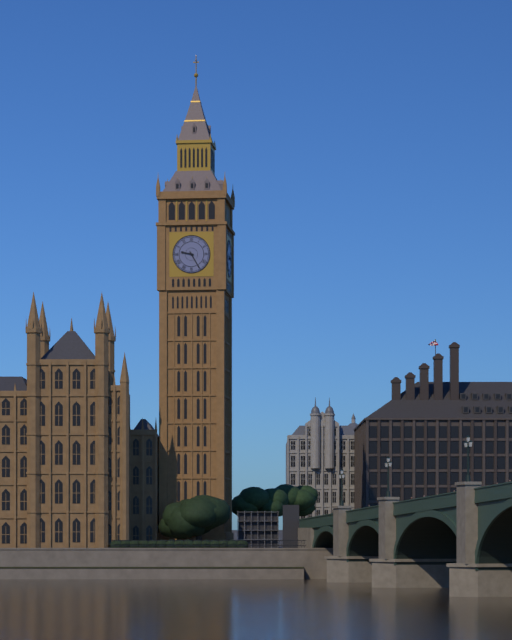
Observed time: **9:25**
